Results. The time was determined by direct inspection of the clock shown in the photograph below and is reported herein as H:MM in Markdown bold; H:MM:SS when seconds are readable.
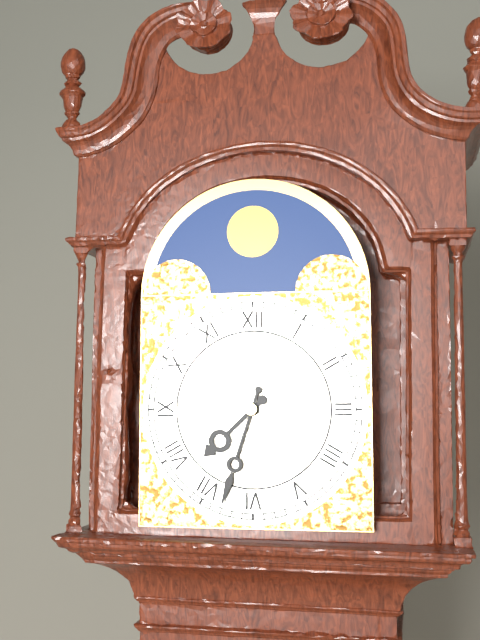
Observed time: **7:33**
